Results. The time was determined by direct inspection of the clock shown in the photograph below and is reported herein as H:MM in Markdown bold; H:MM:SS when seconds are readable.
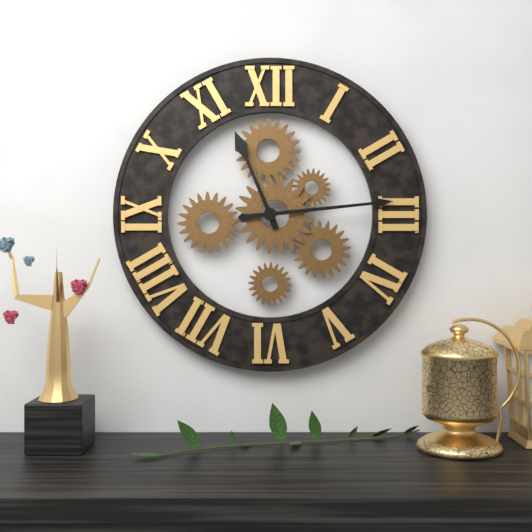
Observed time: **11:14**
